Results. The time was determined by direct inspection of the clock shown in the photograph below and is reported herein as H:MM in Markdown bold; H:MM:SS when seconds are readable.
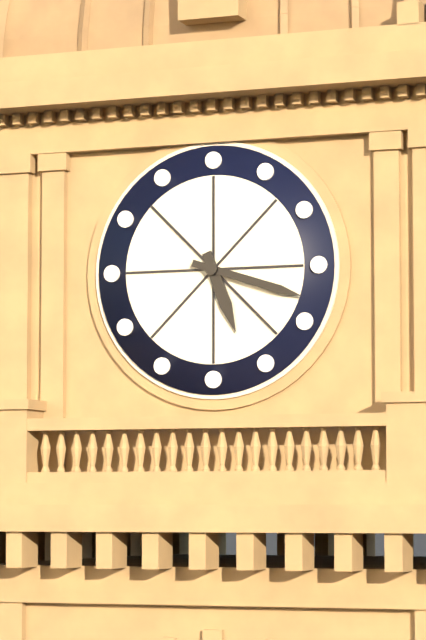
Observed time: **5:18**
